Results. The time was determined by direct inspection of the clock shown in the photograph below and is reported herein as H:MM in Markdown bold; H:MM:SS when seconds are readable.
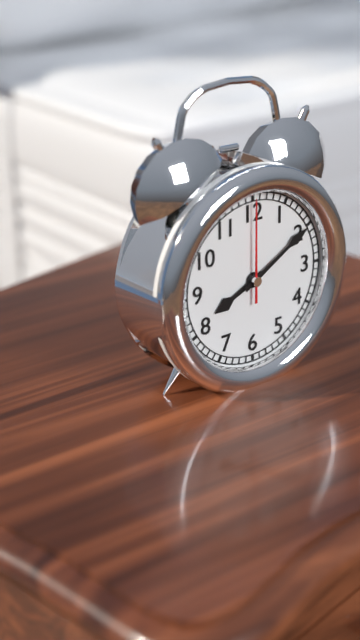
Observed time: **8:10:00**
